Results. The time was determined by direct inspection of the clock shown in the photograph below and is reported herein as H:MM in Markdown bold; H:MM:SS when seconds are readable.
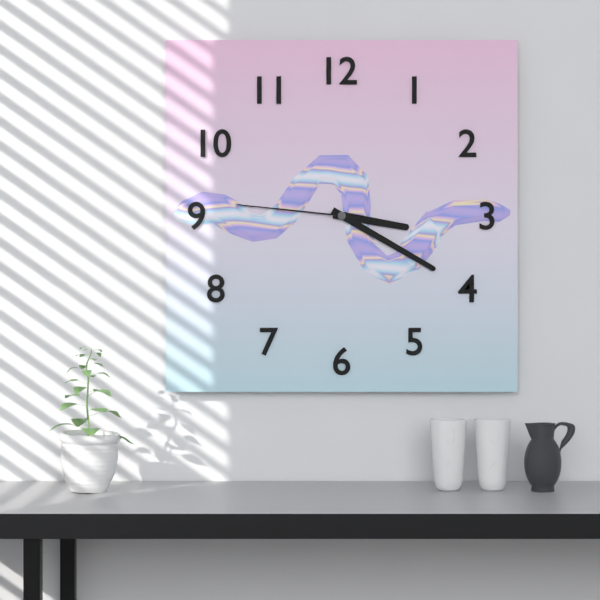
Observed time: **3:20:46**
